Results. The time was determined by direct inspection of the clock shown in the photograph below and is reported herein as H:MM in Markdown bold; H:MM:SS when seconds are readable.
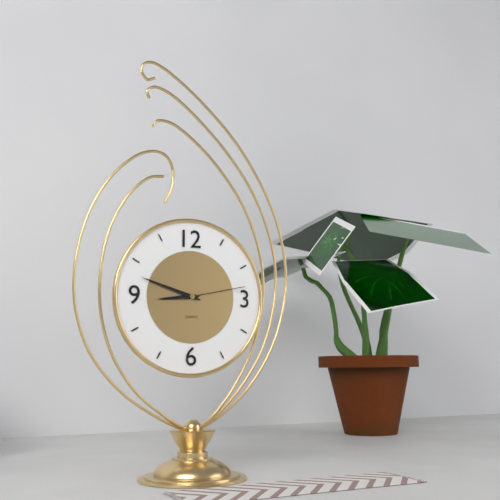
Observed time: **8:48:13**
